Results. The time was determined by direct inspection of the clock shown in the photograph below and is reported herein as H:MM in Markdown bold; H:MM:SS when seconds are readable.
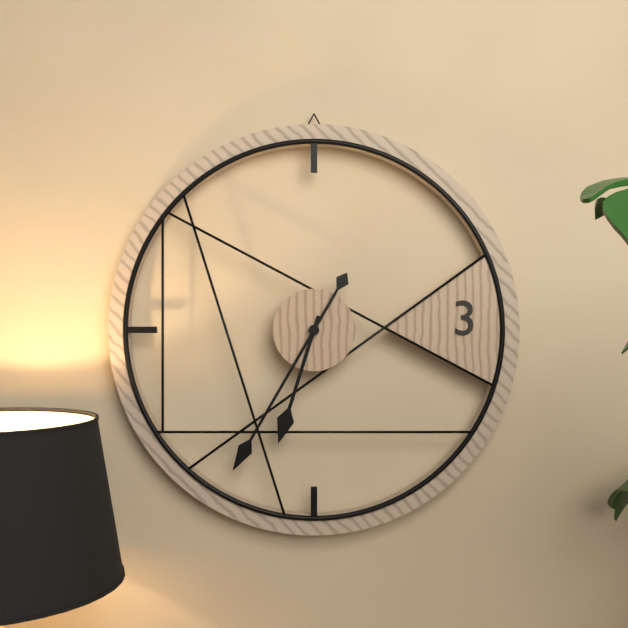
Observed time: **6:35**
